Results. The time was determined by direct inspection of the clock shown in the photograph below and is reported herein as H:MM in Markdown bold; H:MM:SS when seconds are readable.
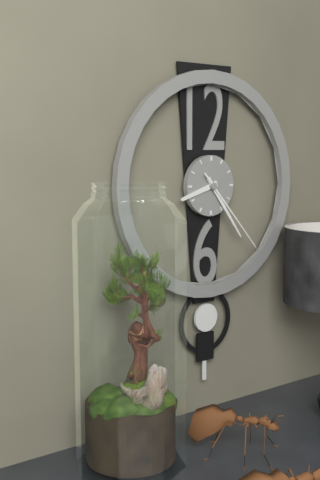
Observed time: **8:24:23**
